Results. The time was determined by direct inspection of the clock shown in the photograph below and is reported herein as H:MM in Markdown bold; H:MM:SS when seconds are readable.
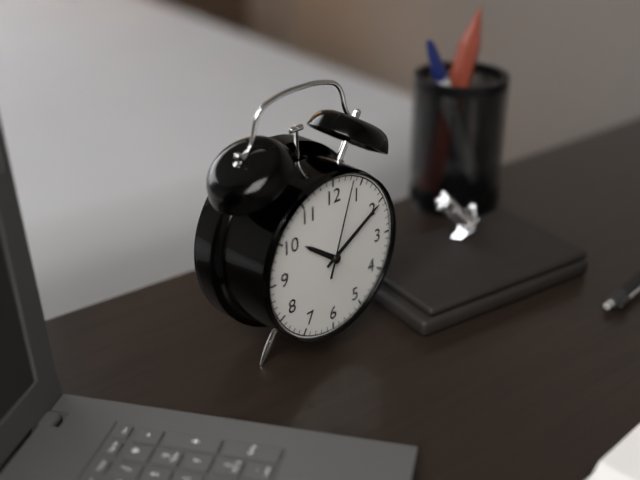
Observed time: **10:10:03**
